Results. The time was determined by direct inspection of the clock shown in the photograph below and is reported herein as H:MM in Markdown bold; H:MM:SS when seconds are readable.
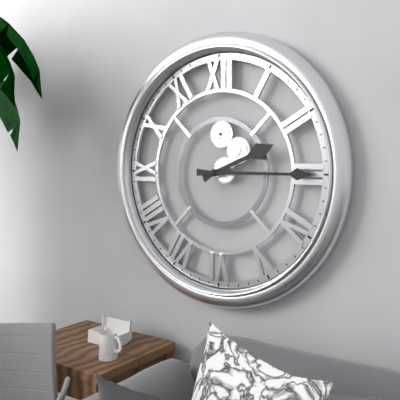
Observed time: **2:15**
